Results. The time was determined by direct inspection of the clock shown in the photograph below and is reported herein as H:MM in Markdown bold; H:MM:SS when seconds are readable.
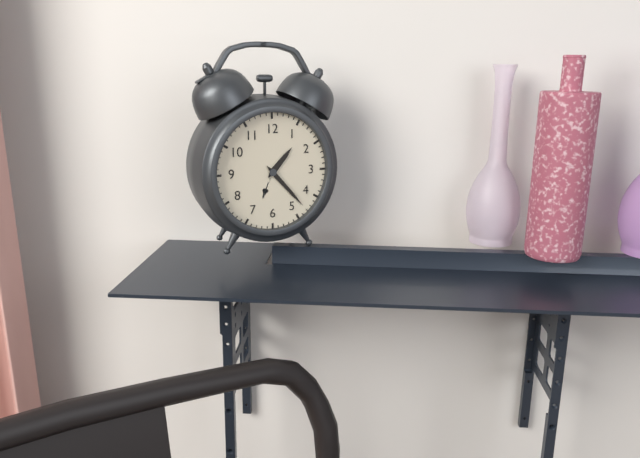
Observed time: **1:23**
